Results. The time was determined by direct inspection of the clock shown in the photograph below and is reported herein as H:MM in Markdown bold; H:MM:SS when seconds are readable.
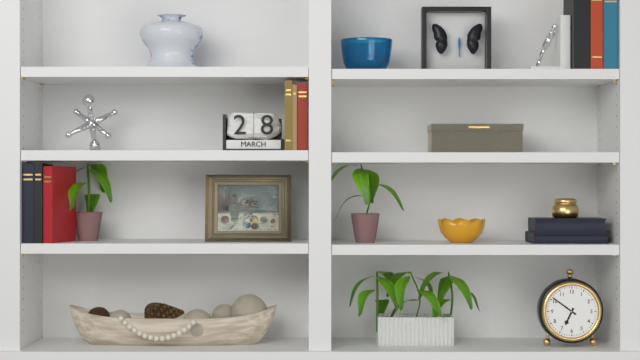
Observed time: **6:51**
